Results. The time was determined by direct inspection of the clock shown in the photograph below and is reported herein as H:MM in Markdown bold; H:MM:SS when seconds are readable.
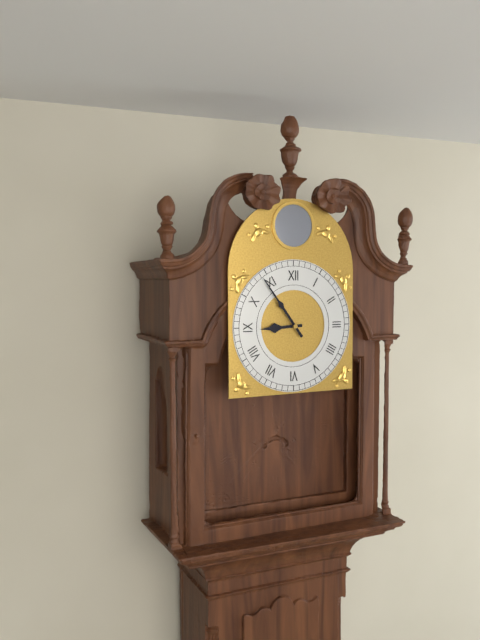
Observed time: **8:54**
